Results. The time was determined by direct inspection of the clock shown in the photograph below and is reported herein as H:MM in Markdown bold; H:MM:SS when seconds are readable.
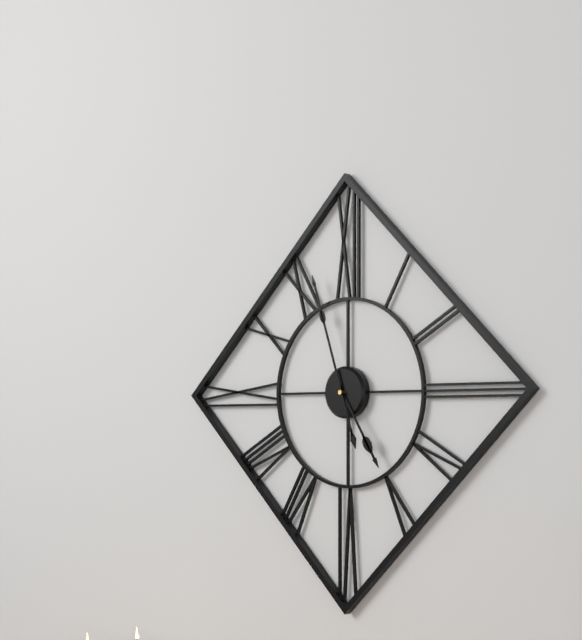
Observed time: **4:57**
